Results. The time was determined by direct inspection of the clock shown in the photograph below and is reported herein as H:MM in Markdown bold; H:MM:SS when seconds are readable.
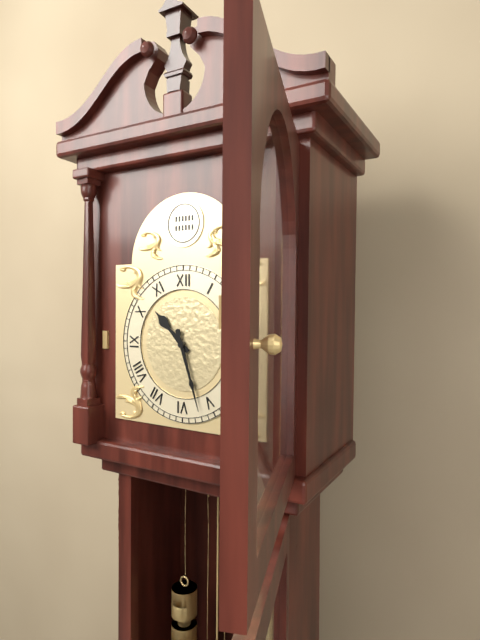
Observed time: **10:27**
